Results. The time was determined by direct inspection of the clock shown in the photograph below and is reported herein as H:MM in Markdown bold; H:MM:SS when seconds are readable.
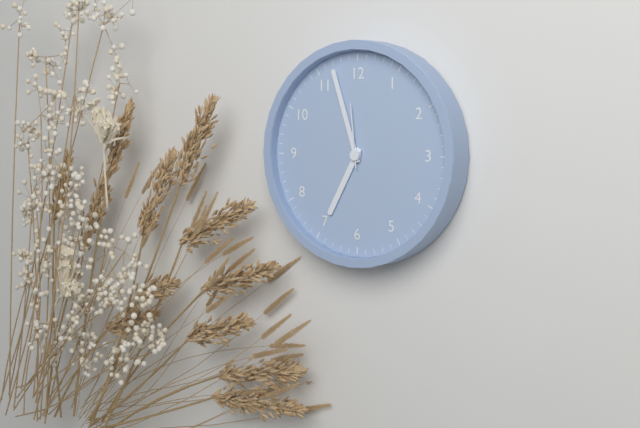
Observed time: **6:57:59**
